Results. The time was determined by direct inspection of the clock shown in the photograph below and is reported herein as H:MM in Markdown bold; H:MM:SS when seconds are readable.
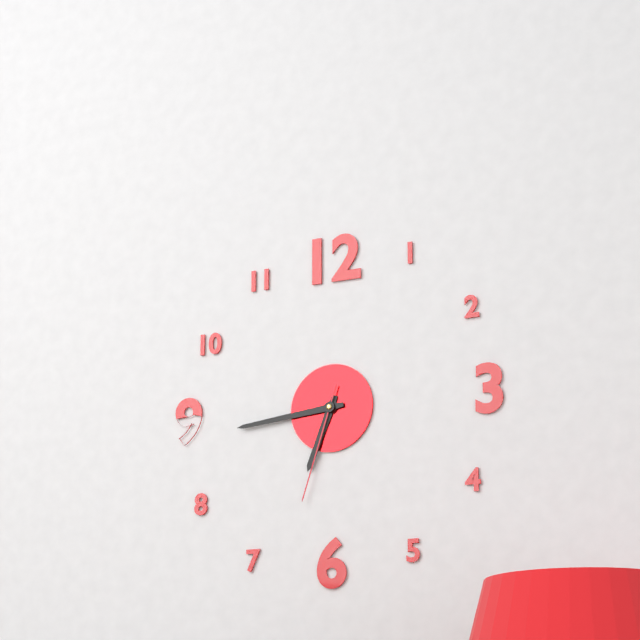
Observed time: **6:44:33**
